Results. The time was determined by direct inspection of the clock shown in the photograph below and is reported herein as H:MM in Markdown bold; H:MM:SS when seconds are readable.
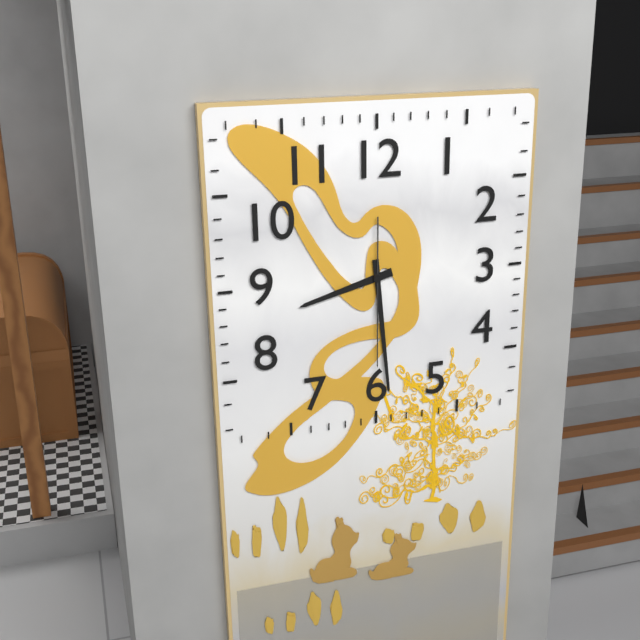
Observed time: **8:29:30**
